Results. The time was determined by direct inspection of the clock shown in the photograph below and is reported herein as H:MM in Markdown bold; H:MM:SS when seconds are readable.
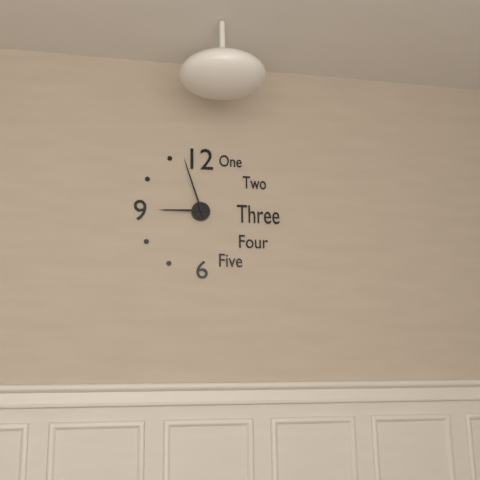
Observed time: **8:57**
